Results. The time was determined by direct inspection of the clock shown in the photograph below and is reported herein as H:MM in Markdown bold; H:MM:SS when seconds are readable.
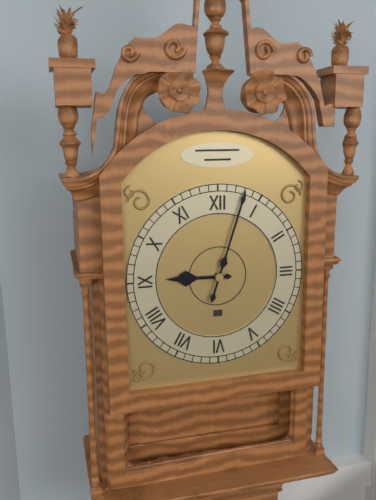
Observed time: **9:03**
